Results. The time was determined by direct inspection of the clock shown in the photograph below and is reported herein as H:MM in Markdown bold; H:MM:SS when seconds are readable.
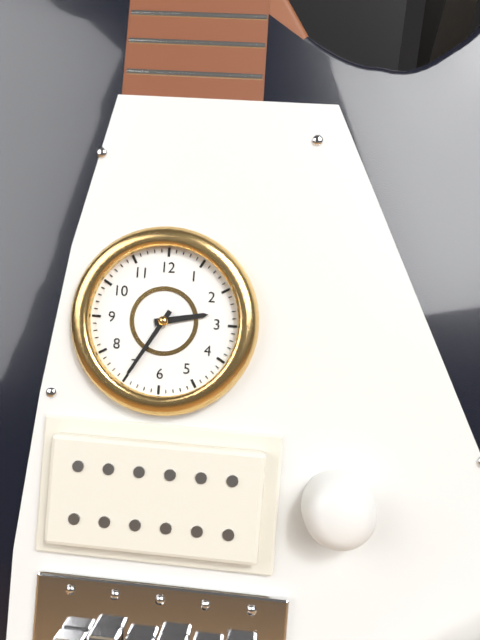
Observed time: **2:35**
